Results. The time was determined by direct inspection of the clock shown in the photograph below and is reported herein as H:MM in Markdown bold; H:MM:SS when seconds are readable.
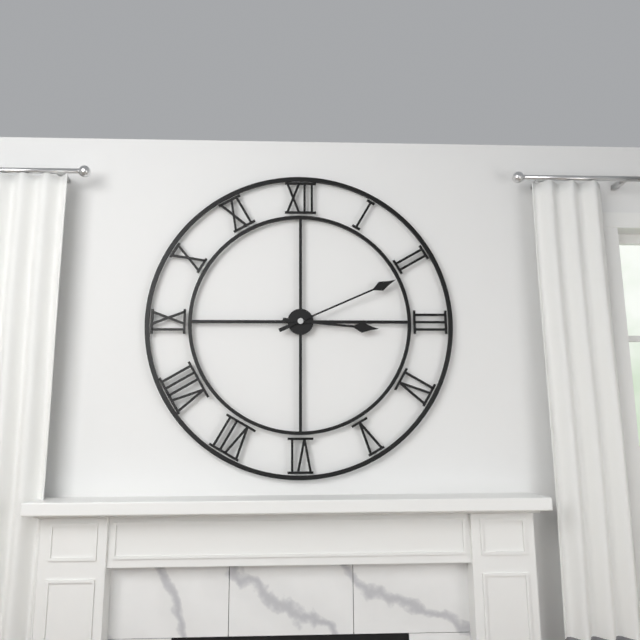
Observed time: **3:11**
